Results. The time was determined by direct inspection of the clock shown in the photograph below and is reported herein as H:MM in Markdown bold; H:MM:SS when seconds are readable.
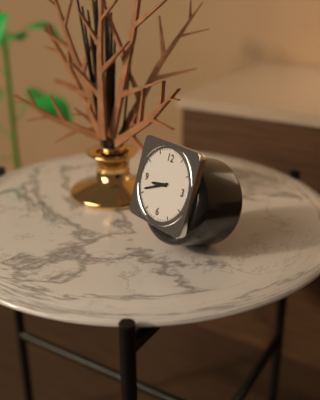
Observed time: **8:41**
